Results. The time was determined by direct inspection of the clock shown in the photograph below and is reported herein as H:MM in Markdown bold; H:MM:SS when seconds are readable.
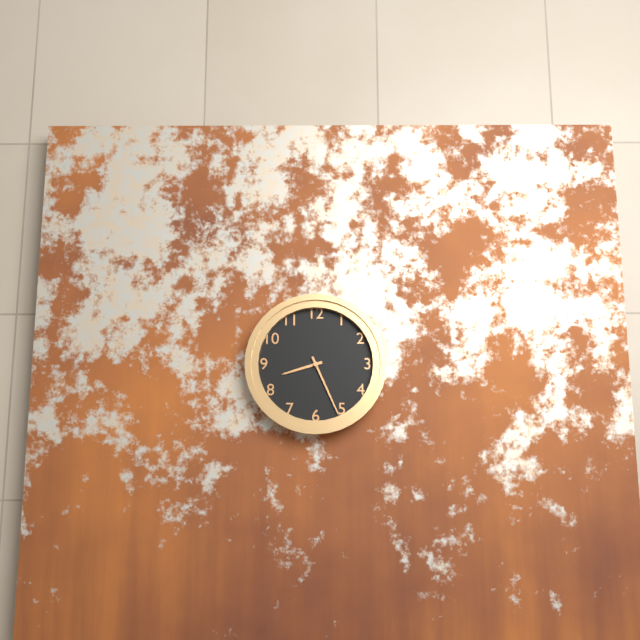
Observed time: **8:26**
